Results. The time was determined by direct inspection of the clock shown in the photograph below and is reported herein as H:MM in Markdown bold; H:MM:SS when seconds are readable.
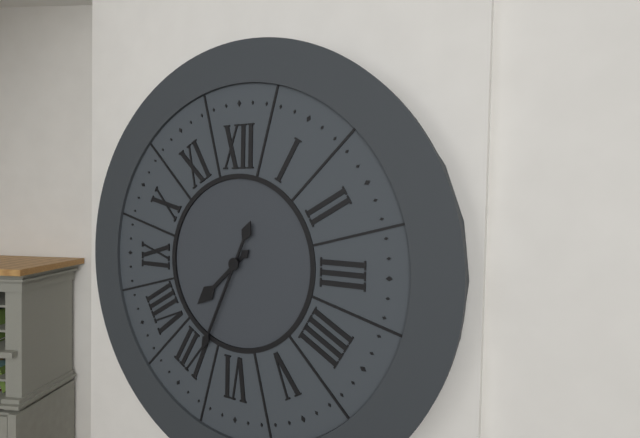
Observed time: **7:34**
